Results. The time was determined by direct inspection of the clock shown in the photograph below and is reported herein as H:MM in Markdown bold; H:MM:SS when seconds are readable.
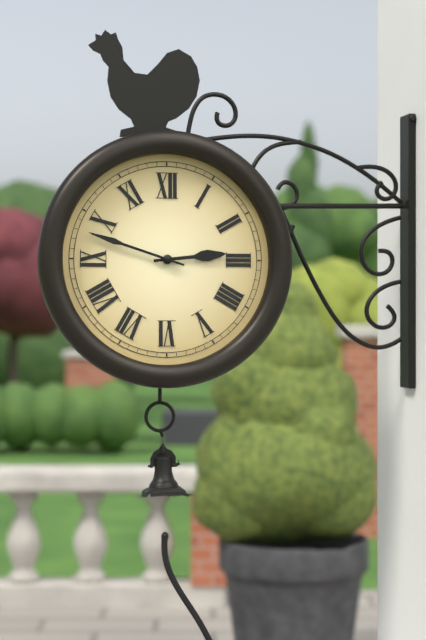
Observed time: **2:48**
